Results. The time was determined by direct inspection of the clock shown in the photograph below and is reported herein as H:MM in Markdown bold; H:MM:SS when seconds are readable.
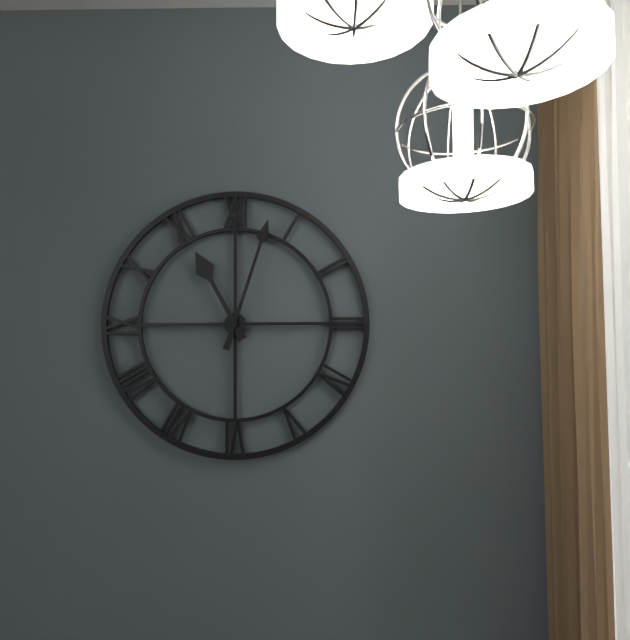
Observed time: **11:03**
